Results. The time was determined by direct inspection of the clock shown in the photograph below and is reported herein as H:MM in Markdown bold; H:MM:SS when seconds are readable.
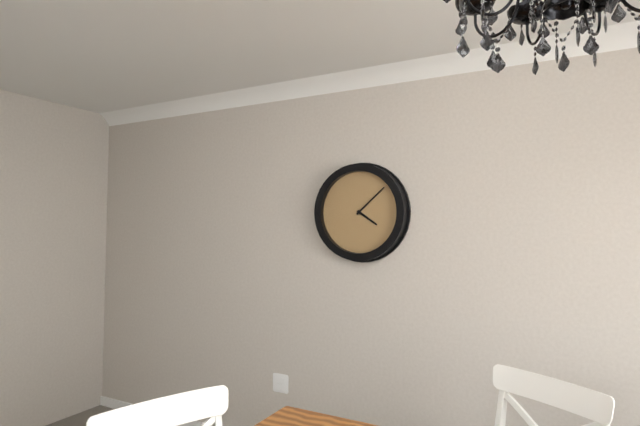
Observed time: **4:08**
